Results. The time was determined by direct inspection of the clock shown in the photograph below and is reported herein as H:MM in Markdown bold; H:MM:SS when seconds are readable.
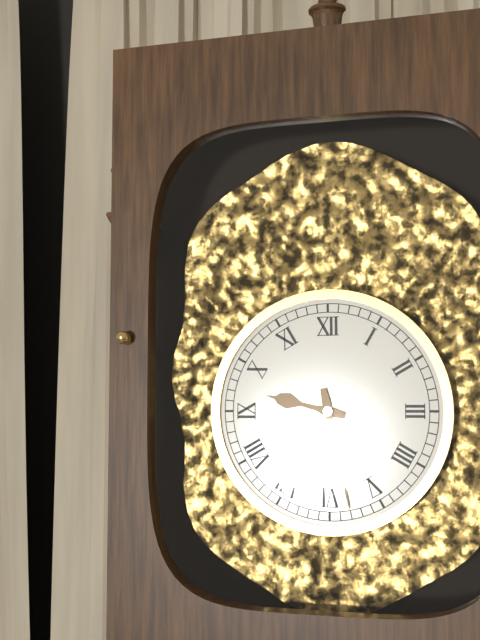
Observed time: **9:28**
